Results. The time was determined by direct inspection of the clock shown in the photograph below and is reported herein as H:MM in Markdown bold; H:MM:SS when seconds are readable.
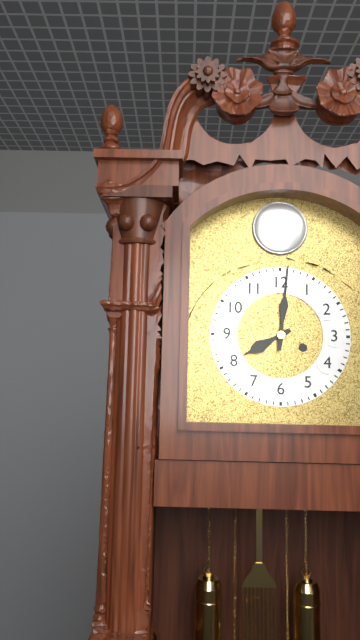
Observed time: **8:01**
